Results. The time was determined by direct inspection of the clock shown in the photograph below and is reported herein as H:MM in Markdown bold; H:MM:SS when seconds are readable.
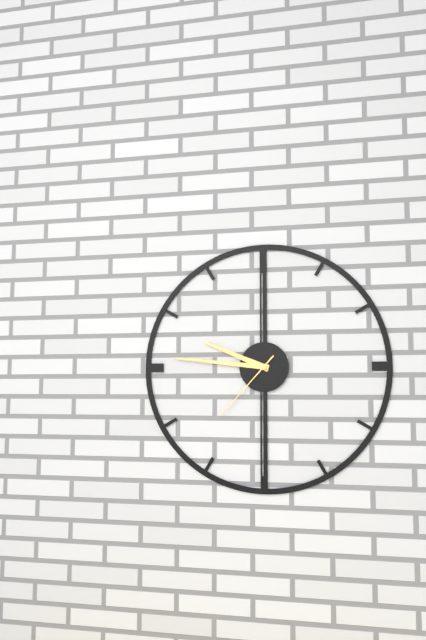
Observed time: **9:46:37**
